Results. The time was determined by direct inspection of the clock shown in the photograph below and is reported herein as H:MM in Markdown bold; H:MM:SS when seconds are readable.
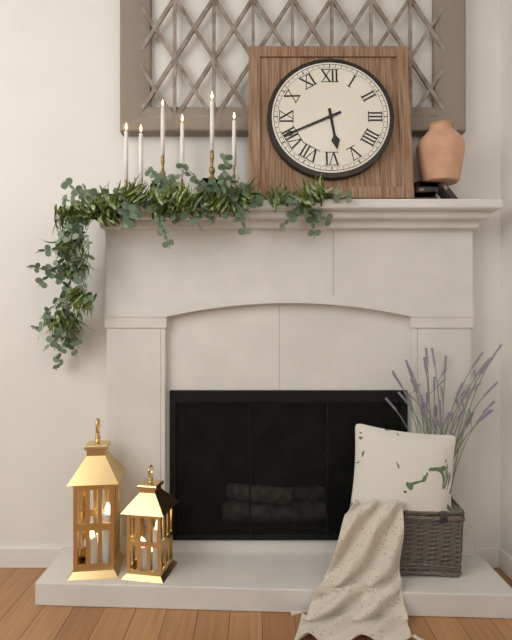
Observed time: **5:41**
